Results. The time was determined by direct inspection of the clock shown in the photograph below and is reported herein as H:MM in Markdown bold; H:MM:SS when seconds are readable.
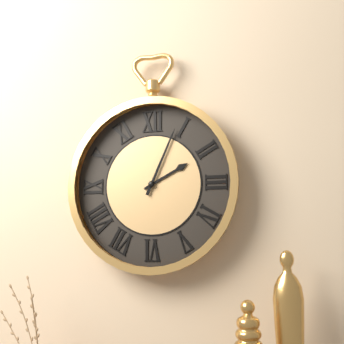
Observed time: **2:04**
